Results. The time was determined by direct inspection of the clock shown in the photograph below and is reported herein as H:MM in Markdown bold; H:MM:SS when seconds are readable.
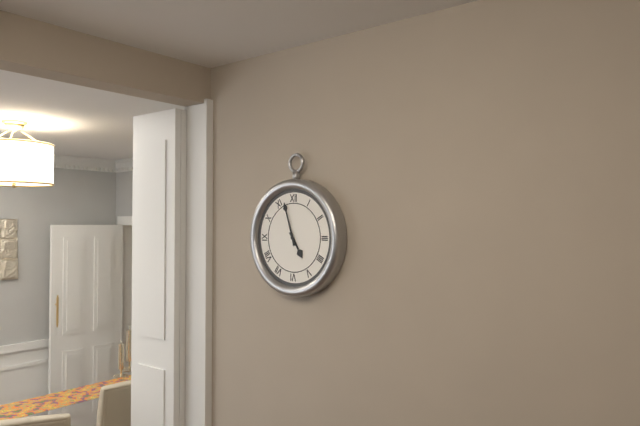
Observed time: **4:57**
